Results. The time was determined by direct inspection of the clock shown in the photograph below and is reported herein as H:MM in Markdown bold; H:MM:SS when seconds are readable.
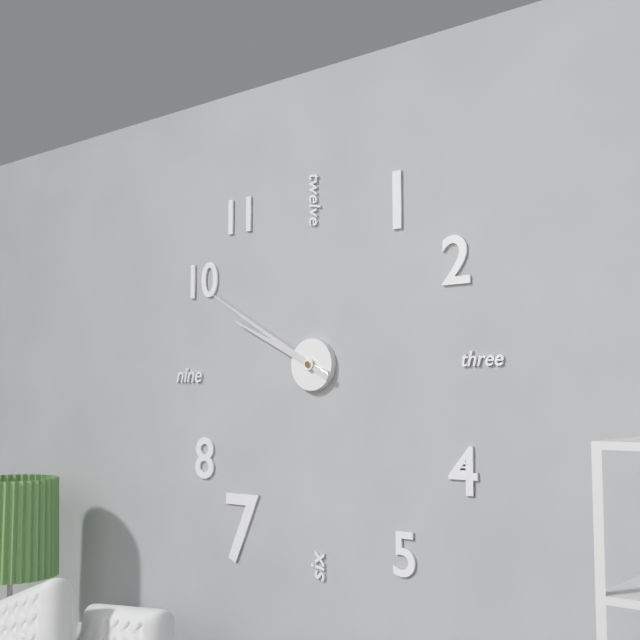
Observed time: **9:50**
